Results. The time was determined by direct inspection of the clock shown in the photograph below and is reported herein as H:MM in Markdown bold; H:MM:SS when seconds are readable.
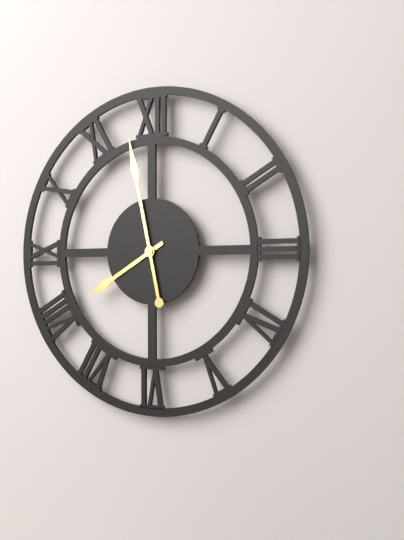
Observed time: **7:58**
